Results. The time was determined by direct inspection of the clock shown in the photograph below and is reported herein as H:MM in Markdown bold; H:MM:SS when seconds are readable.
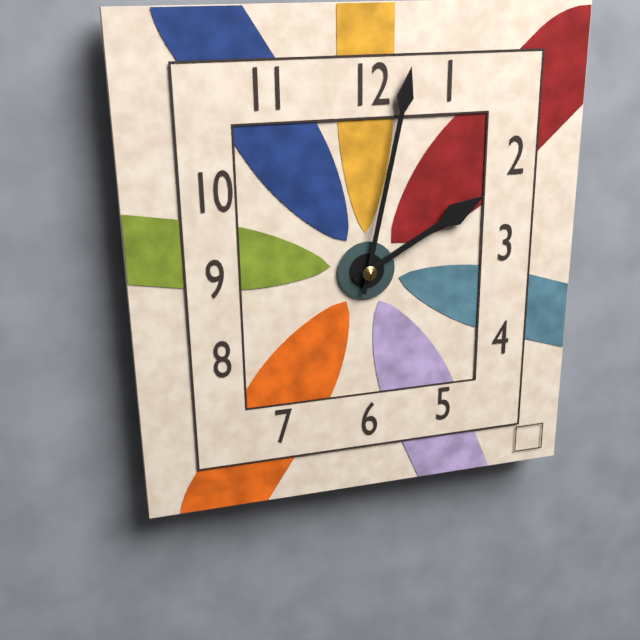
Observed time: **2:02**
